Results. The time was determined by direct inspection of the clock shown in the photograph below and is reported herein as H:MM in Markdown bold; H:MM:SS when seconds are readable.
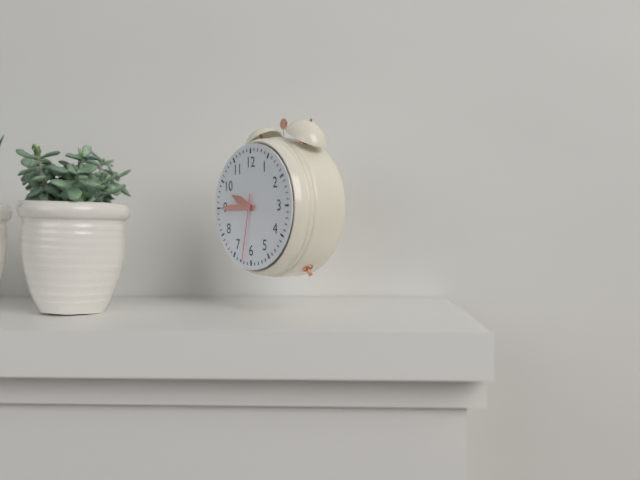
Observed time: **9:45:32**
